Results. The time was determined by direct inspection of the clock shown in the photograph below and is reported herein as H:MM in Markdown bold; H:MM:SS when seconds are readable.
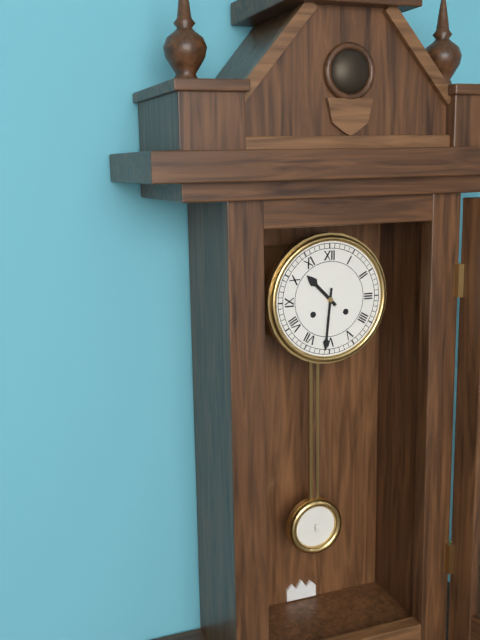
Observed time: **10:31**
